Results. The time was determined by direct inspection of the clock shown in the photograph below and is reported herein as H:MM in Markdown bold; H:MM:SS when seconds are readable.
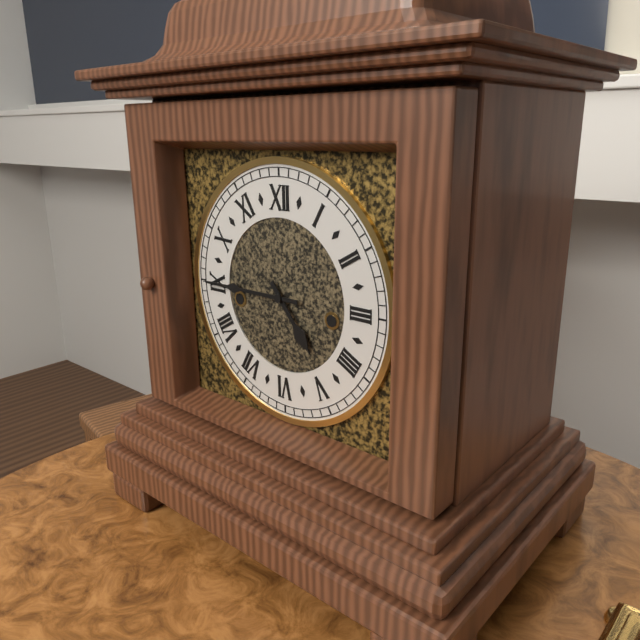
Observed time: **4:45**
